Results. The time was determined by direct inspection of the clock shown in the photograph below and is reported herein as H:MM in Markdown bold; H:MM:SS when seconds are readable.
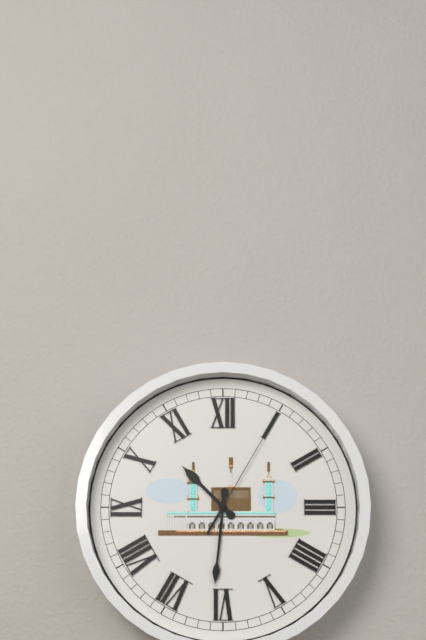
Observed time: **10:31:05**
